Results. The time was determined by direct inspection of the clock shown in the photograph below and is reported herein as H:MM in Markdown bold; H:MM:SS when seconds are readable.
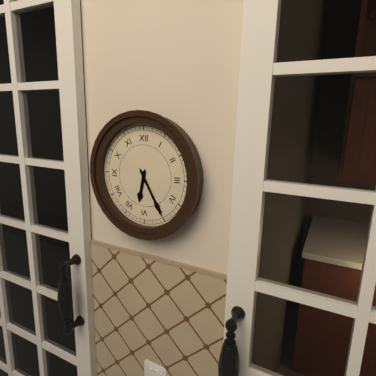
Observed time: **6:25**
